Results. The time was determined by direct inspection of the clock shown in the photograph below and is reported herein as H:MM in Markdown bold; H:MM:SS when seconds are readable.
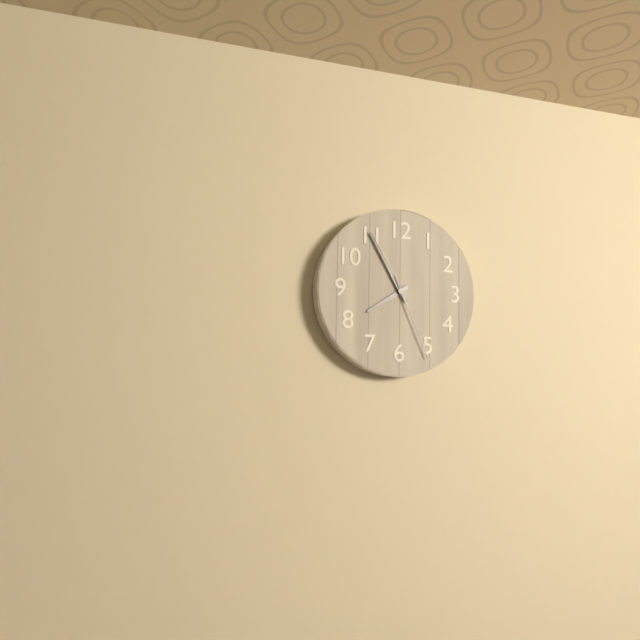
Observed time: **7:55:26**
